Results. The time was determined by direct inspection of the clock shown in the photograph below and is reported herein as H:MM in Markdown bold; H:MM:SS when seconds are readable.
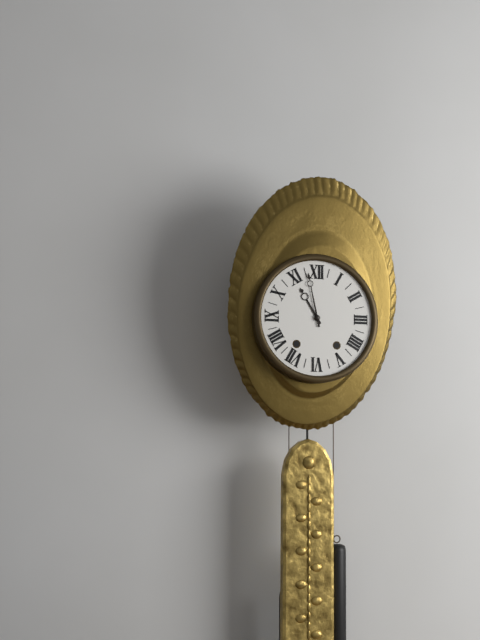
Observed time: **10:58**
